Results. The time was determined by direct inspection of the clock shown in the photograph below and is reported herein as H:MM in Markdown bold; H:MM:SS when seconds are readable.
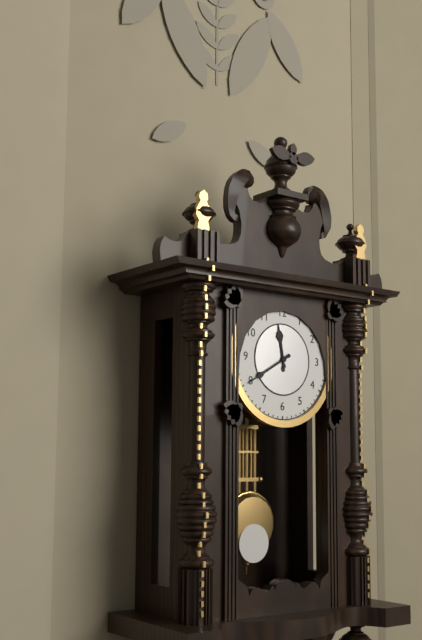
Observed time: **11:40**
